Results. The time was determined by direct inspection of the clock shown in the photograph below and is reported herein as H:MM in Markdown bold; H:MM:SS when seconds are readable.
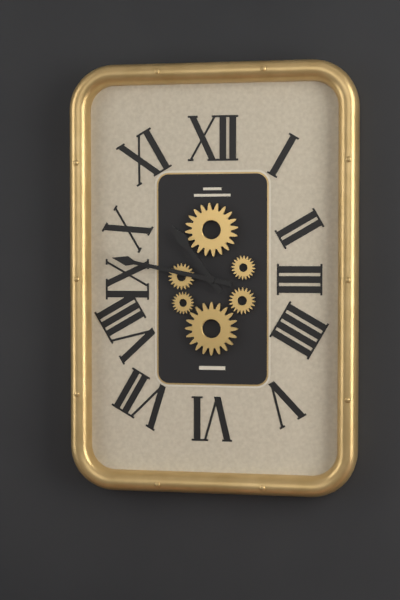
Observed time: **10:47**
